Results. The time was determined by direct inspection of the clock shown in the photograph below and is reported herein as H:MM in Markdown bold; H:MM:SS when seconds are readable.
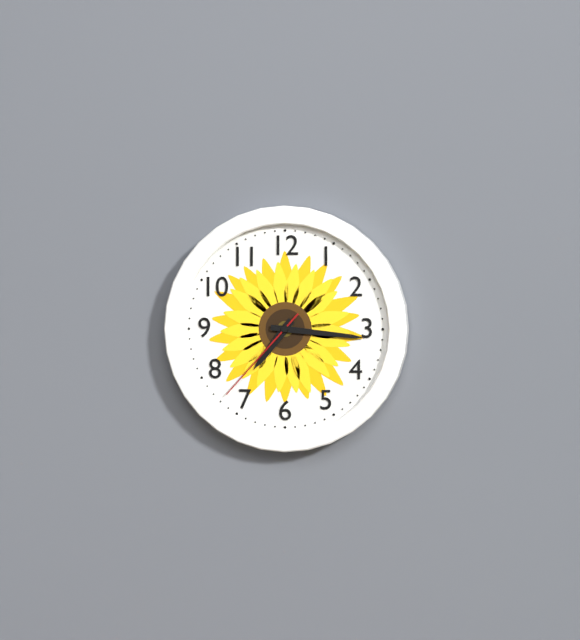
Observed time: **7:16:37**
